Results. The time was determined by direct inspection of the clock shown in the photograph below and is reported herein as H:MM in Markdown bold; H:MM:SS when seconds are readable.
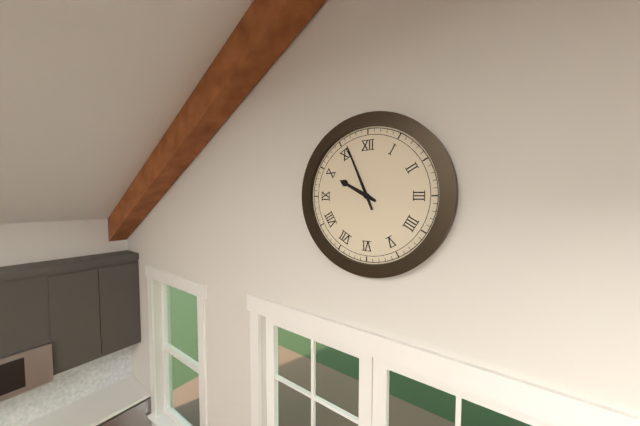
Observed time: **9:56**
